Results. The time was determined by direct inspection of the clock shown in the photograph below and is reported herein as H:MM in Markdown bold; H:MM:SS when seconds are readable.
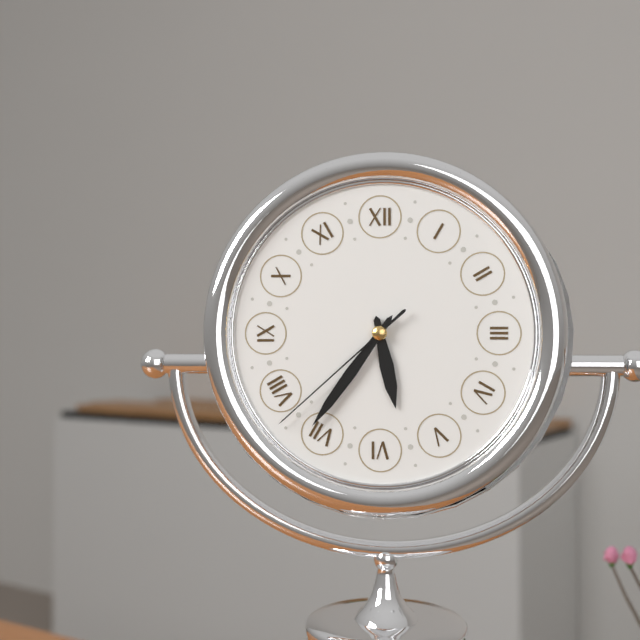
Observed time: **5:36:38**
